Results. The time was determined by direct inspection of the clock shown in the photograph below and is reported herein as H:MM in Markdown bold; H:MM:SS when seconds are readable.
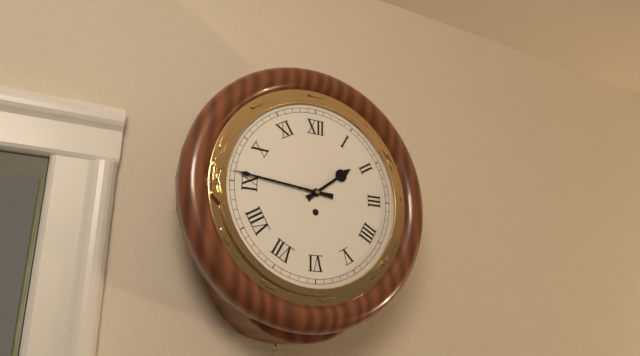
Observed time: **1:46**
